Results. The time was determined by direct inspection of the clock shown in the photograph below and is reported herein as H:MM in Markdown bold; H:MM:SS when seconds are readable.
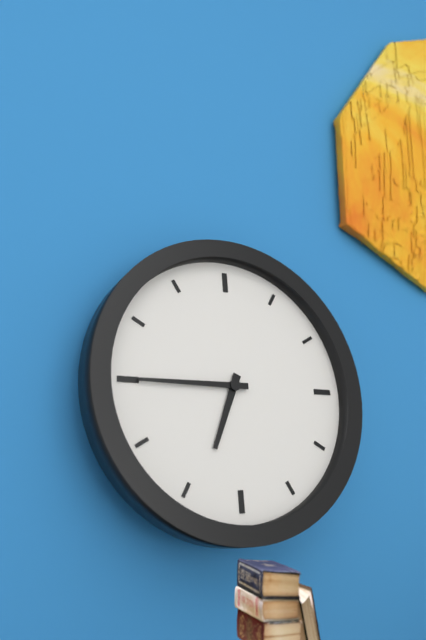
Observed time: **6:45**
